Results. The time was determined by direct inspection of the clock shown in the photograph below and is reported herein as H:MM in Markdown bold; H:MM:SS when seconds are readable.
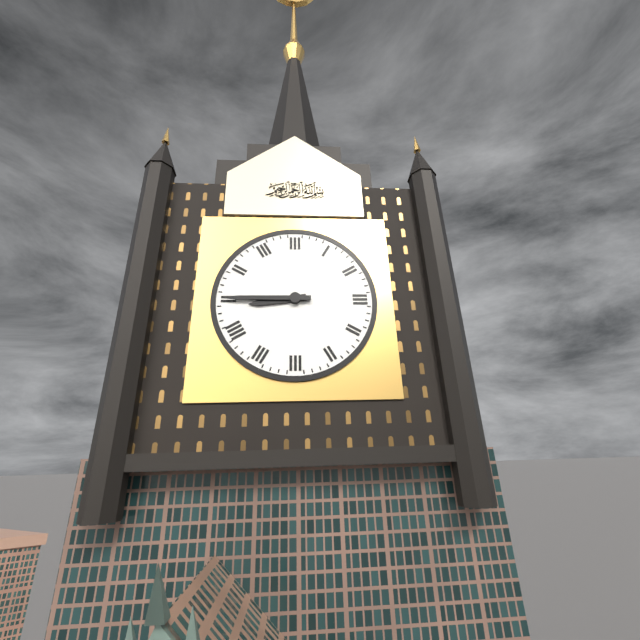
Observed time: **8:45**
